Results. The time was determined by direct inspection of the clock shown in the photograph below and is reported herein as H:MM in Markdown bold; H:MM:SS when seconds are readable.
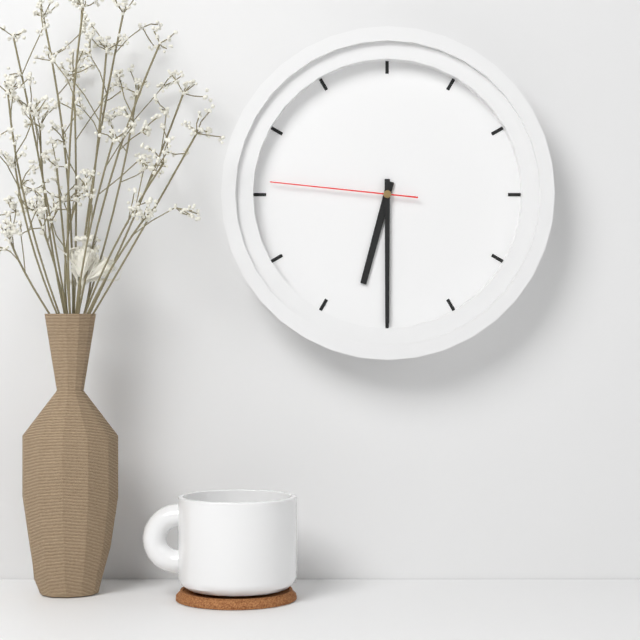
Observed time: **6:30:46**
